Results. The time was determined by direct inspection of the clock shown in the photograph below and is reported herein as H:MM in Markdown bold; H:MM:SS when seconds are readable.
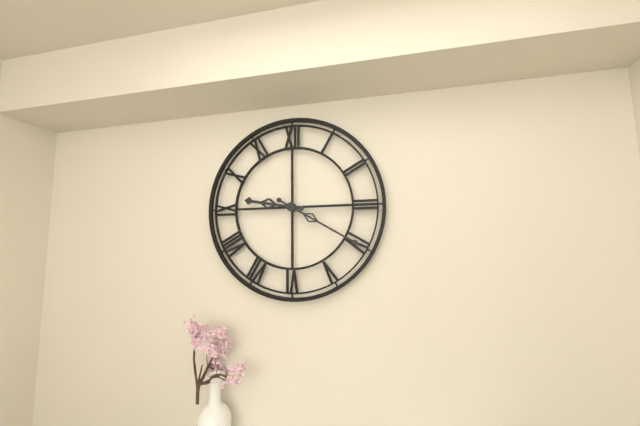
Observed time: **9:20**
